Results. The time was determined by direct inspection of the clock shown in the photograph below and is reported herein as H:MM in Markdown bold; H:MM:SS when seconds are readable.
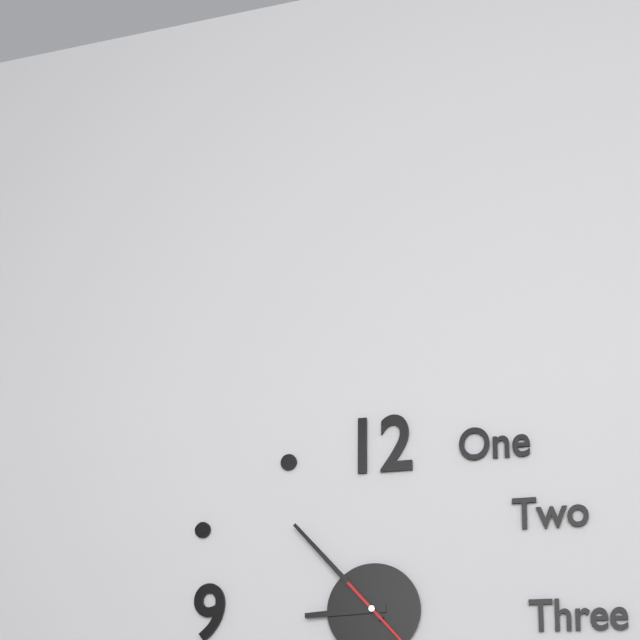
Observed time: **8:53**
